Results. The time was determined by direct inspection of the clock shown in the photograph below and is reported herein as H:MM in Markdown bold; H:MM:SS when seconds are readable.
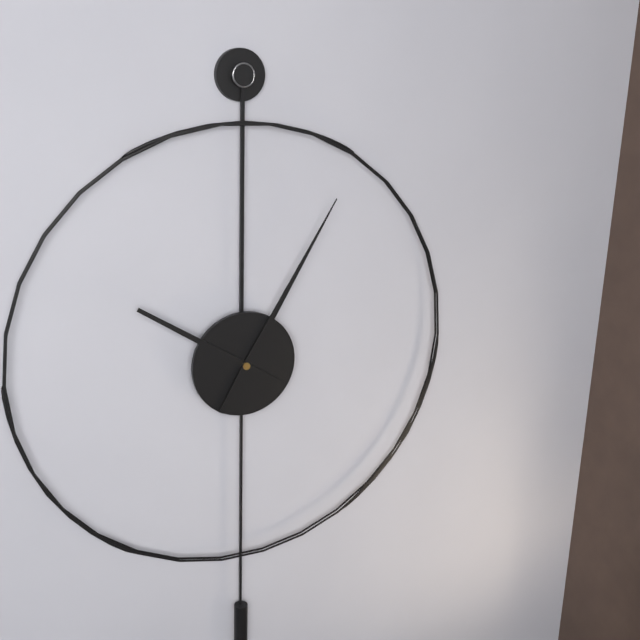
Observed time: **10:05**
